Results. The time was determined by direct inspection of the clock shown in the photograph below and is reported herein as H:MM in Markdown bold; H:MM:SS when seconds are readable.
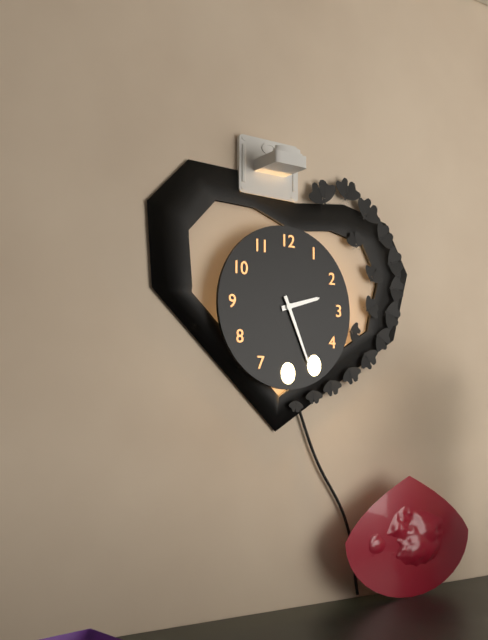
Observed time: **2:26**
